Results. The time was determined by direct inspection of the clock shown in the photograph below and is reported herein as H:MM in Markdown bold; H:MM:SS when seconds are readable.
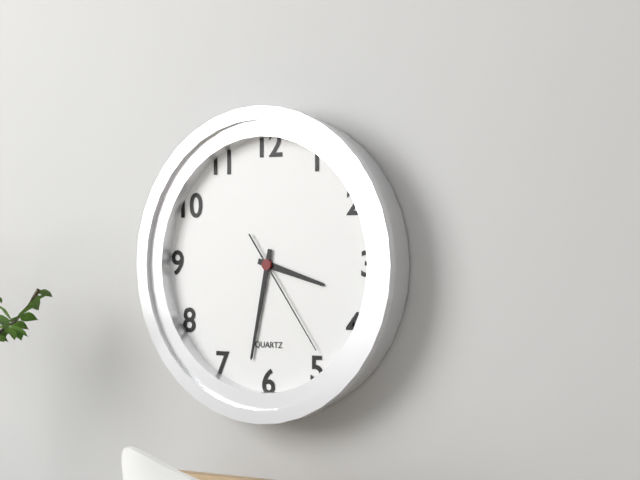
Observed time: **3:32:24**
